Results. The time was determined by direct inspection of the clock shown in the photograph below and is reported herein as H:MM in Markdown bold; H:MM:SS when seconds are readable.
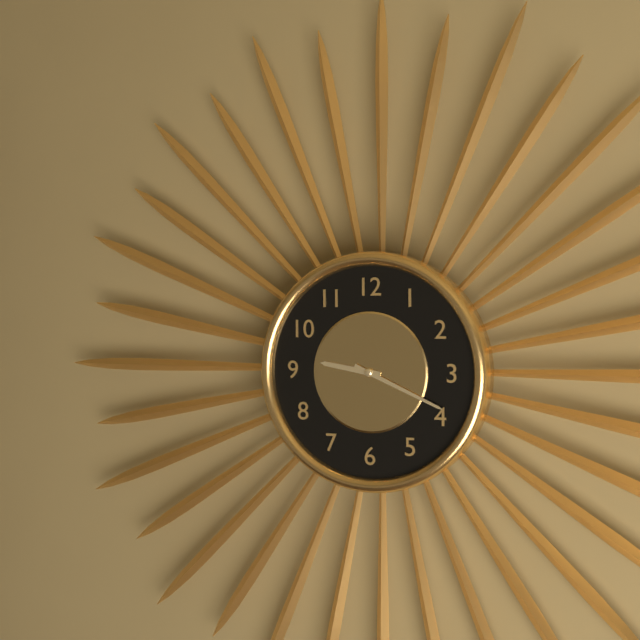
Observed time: **9:19**
